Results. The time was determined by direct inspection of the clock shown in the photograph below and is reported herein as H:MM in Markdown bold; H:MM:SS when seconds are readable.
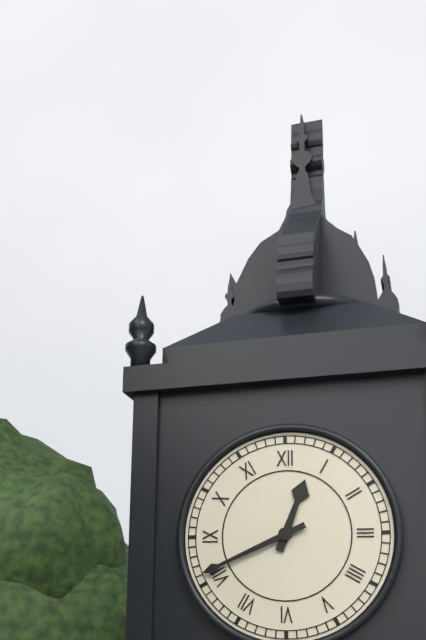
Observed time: **12:41**
